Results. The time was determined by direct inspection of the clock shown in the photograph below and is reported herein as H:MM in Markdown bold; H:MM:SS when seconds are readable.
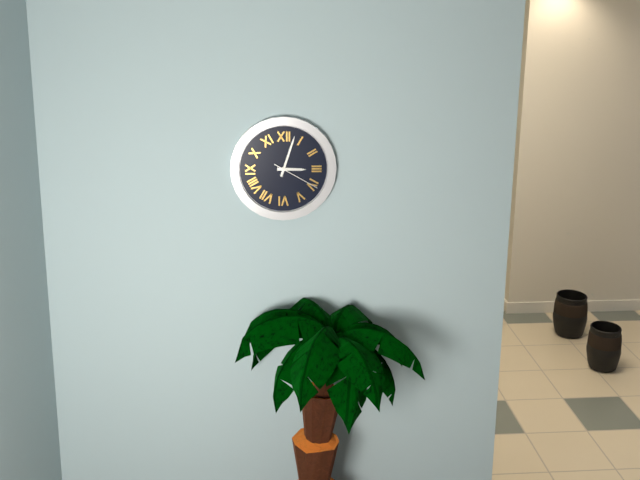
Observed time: **3:03**
